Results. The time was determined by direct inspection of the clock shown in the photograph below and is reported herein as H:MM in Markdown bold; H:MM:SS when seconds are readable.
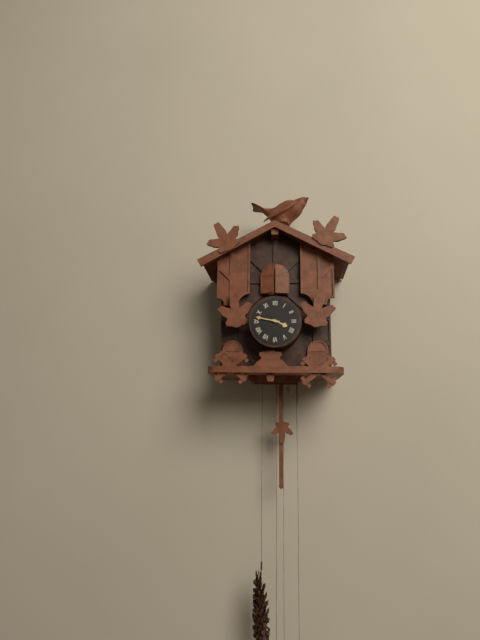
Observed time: **3:47**
